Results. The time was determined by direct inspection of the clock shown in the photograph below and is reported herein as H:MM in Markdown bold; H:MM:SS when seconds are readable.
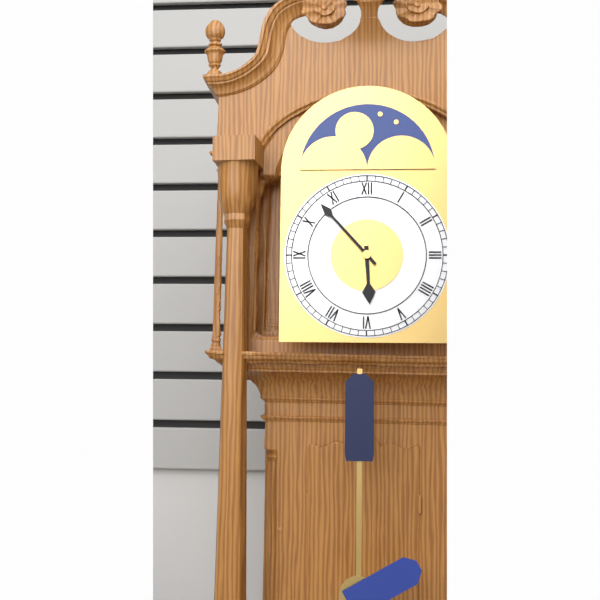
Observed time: **5:53**
